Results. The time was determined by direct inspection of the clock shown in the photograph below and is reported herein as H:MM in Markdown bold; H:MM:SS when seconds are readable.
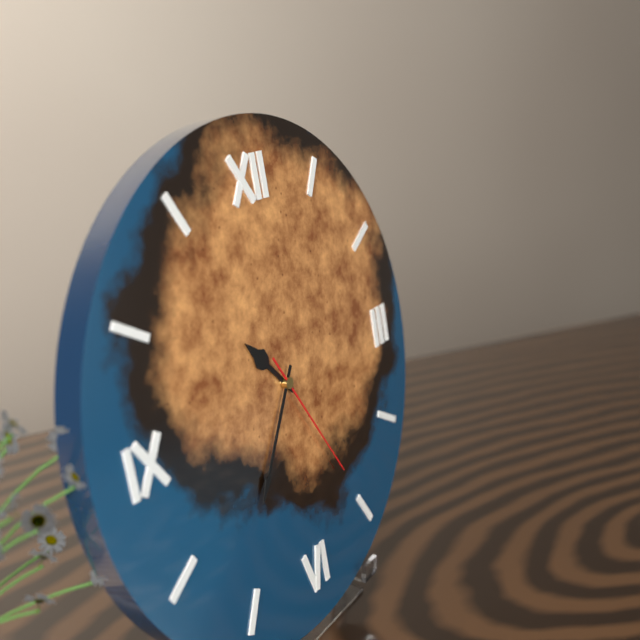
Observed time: **10:36:25**
